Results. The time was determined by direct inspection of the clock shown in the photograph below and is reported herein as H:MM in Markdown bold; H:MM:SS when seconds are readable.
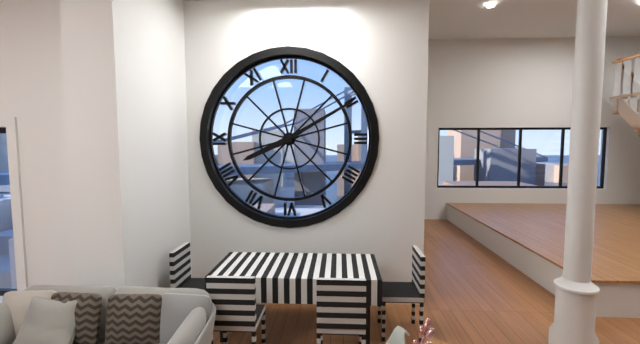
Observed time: **8:10**
